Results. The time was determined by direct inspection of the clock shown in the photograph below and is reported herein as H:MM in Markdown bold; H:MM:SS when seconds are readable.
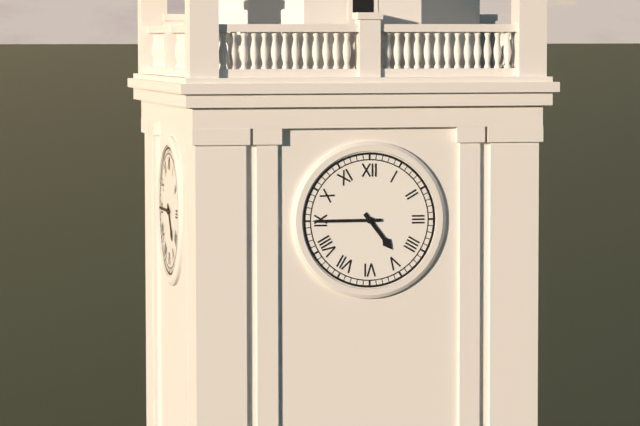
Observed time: **4:45**
